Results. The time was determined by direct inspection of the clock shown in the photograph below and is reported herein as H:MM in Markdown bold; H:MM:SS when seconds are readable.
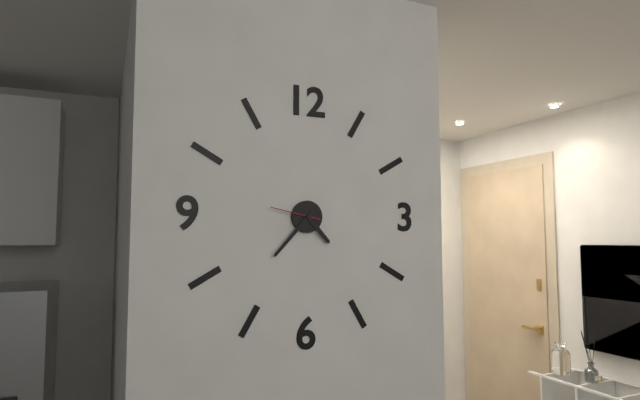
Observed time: **4:37**
